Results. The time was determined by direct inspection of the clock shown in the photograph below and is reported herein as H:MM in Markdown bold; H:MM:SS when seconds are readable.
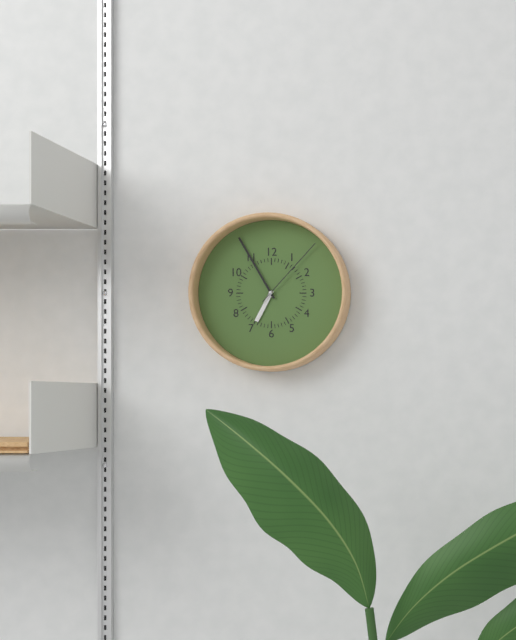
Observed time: **6:55:07**
